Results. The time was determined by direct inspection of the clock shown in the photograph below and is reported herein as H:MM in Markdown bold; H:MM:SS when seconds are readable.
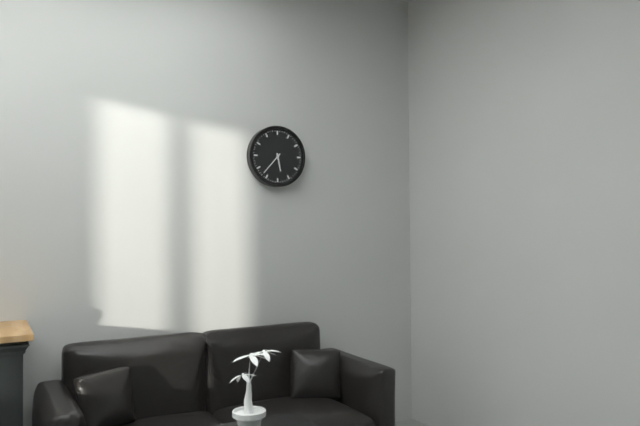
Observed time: **5:37**
